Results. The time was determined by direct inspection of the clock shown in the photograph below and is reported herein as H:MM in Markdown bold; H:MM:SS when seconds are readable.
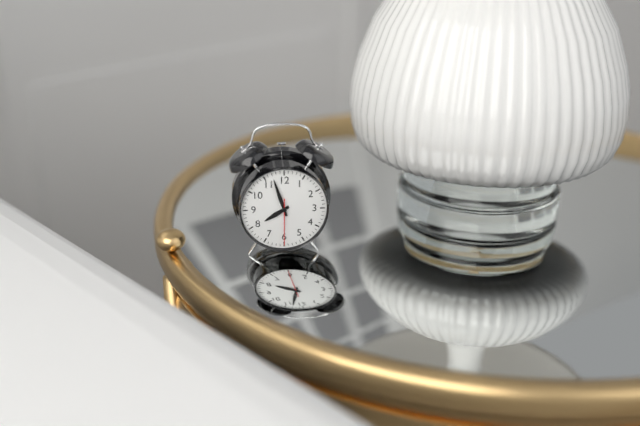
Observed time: **7:57:30**
